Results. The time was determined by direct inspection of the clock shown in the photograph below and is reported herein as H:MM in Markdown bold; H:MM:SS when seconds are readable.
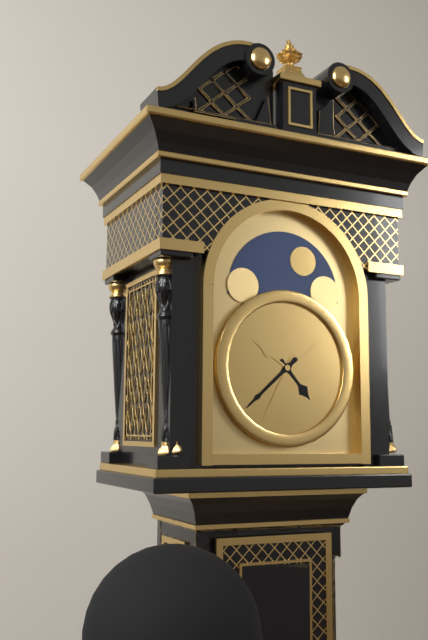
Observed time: **4:38**
